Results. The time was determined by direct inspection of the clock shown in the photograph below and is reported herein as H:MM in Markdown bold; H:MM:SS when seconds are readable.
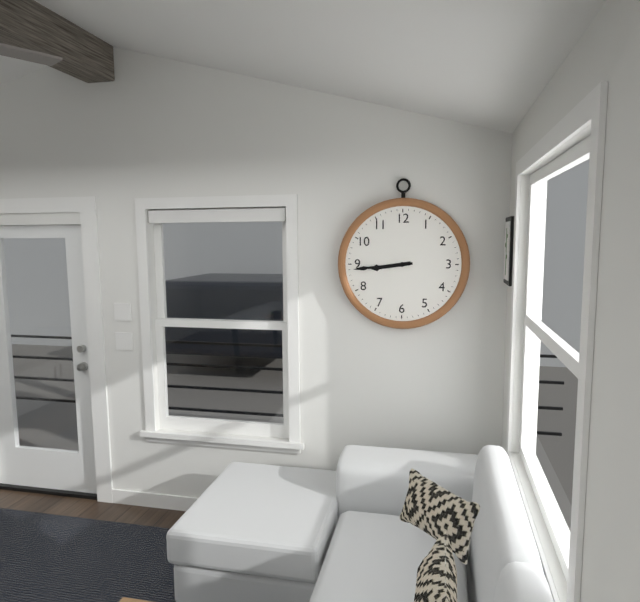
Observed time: **8:44**
